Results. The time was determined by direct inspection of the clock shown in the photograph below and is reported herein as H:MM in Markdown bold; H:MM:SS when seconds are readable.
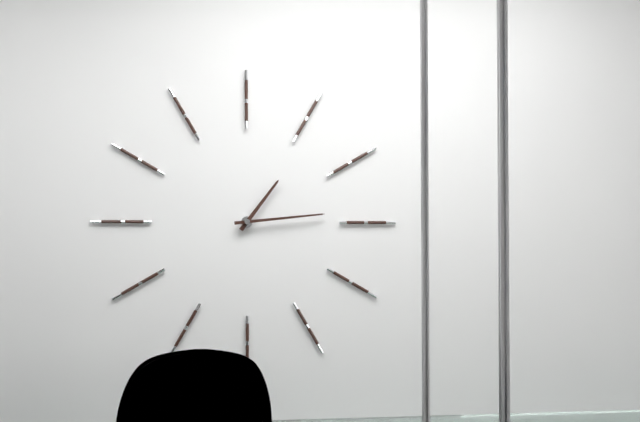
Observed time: **1:14**
